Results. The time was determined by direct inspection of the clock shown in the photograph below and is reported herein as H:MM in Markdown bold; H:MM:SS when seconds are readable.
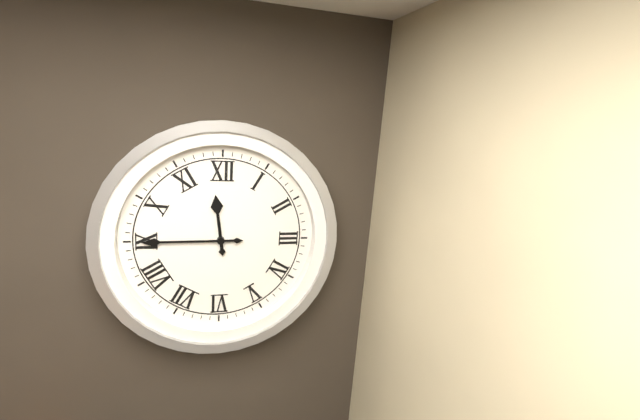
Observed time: **11:45**
